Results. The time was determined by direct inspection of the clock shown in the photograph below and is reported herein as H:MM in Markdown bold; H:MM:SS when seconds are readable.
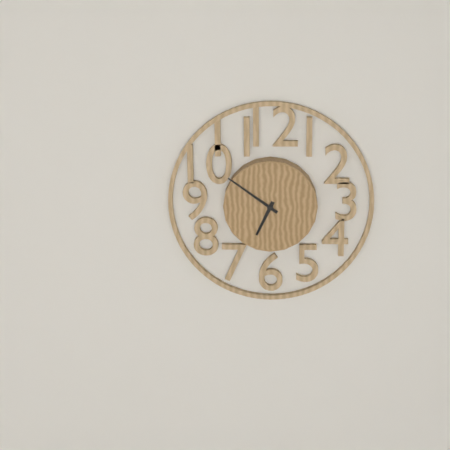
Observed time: **6:51**
